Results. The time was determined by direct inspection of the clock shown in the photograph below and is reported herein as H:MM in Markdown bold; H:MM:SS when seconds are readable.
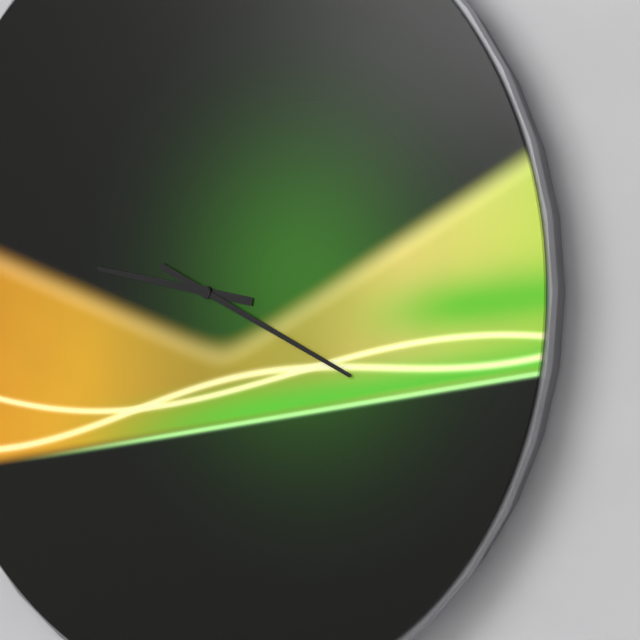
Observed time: **9:19**
